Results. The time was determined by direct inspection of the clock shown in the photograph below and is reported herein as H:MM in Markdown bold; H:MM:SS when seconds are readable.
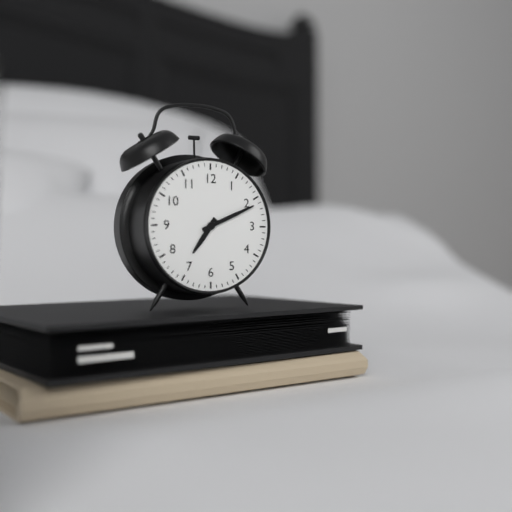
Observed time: **7:11**
